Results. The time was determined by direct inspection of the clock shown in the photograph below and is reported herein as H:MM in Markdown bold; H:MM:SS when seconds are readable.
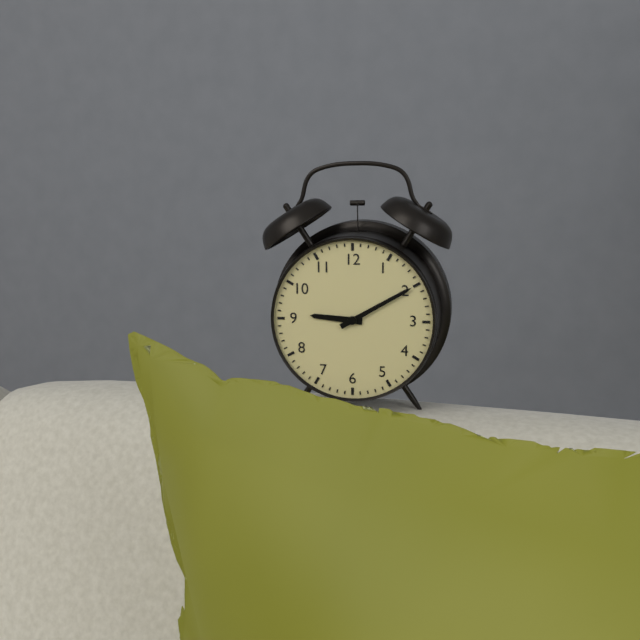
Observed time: **9:10**
